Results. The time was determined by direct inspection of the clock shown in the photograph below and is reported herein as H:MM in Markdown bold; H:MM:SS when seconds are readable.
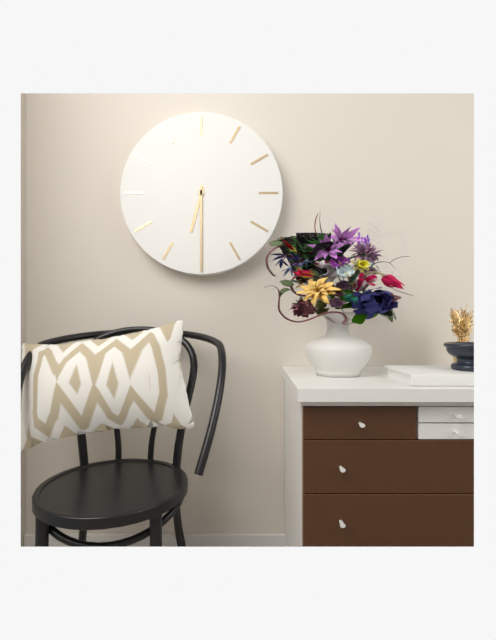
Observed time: **6:30**
